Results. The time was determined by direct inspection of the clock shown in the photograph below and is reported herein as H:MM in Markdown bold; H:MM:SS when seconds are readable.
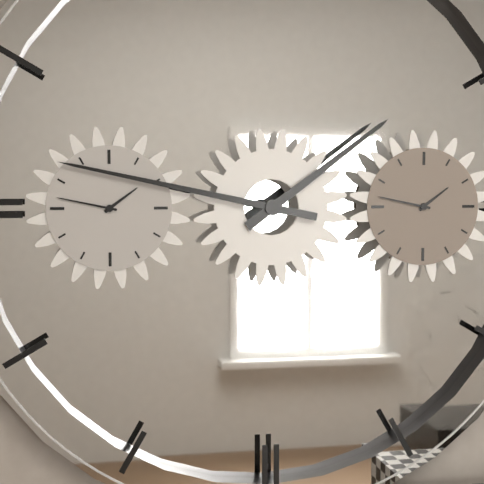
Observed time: **1:47**
